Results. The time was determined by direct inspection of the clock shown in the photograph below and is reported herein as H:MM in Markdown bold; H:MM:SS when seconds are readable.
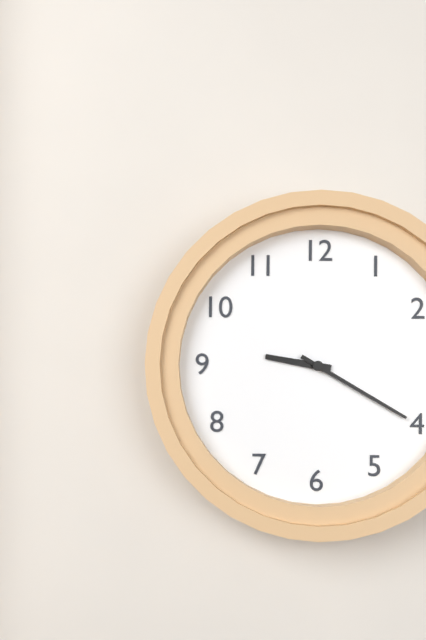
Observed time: **9:20**
